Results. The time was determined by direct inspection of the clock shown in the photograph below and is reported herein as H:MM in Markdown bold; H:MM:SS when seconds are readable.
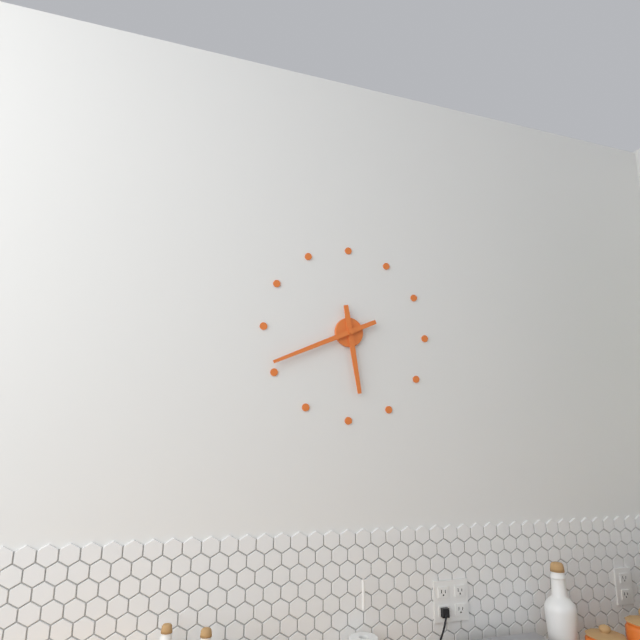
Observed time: **5:41**
